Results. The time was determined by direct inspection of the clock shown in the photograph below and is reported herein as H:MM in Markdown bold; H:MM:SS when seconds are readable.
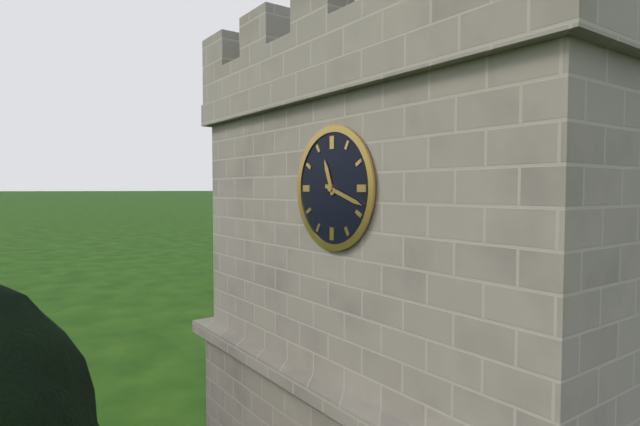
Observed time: **11:18**
